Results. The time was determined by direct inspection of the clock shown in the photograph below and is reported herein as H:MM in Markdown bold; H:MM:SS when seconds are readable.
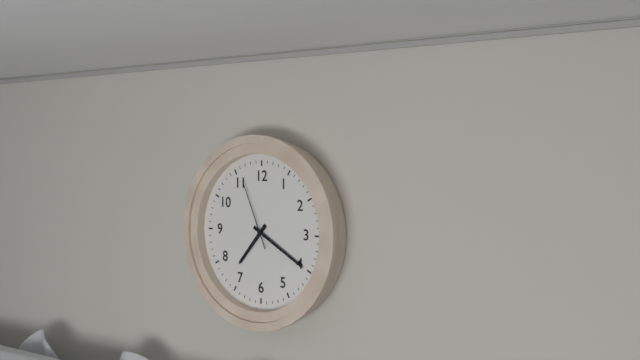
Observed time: **7:20:56**
